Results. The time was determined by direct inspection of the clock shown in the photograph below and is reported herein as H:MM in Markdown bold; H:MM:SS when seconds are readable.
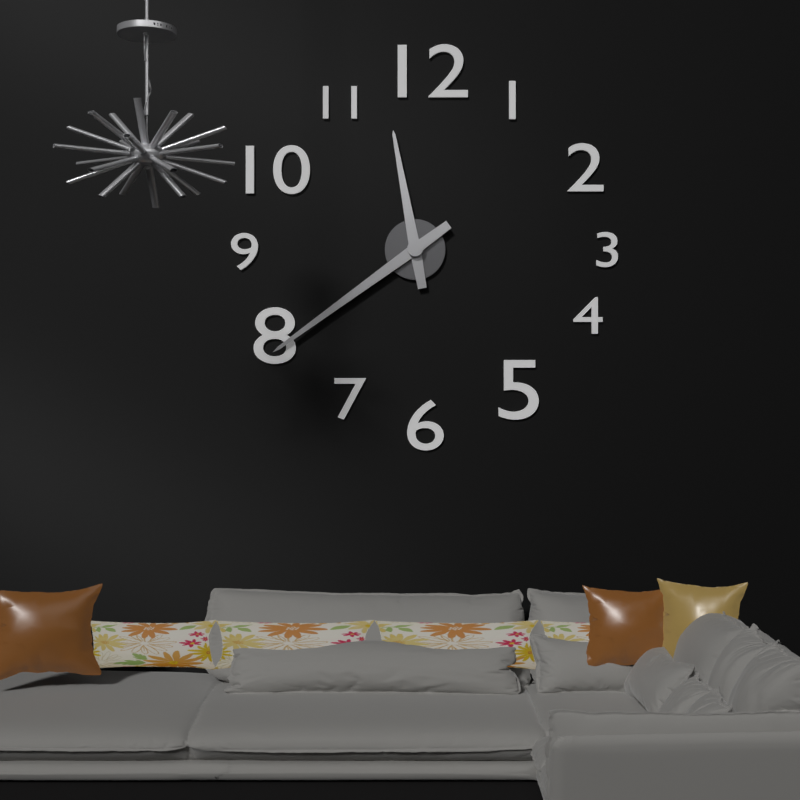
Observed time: **11:39**
